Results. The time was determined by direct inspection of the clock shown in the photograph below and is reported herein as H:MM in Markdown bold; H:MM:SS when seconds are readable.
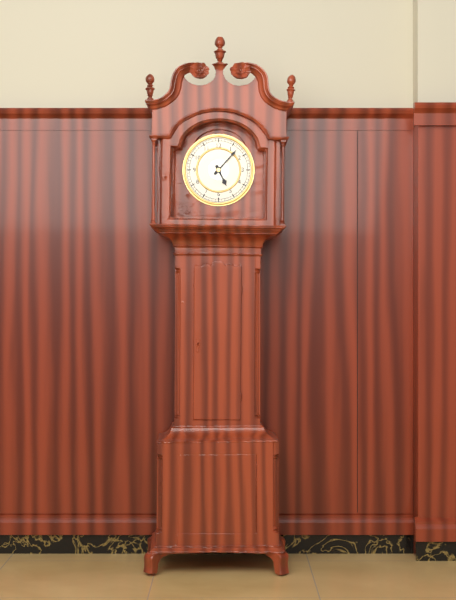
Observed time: **5:07**
